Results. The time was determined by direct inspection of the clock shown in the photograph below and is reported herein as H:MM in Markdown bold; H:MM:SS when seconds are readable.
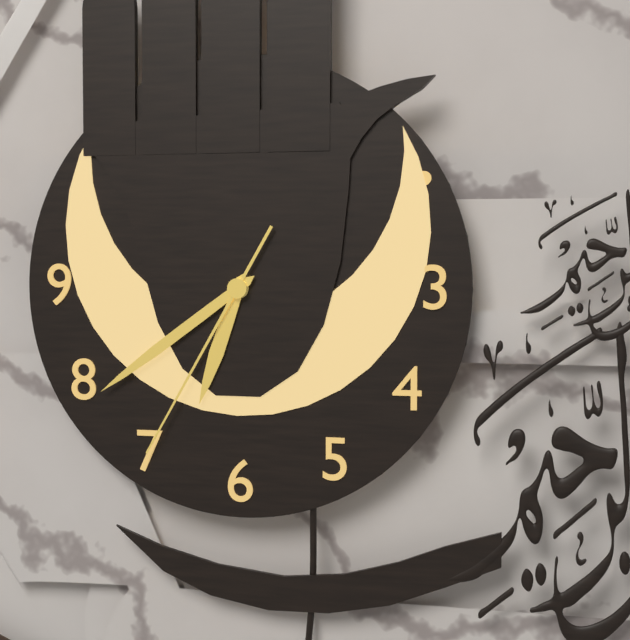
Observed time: **6:39:35**
